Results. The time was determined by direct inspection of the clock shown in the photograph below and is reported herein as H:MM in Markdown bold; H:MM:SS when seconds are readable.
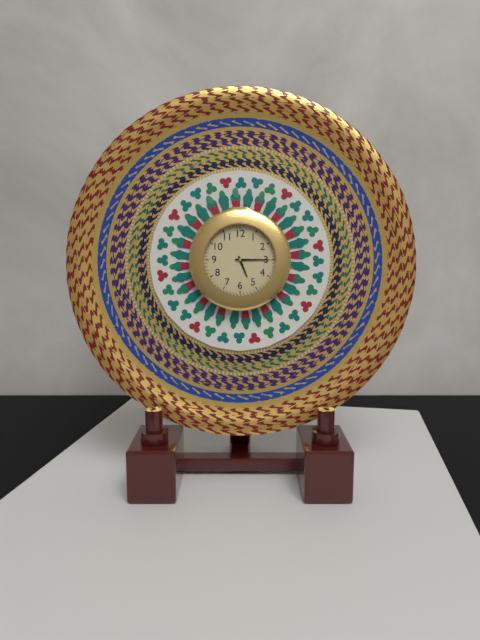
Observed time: **5:15**
